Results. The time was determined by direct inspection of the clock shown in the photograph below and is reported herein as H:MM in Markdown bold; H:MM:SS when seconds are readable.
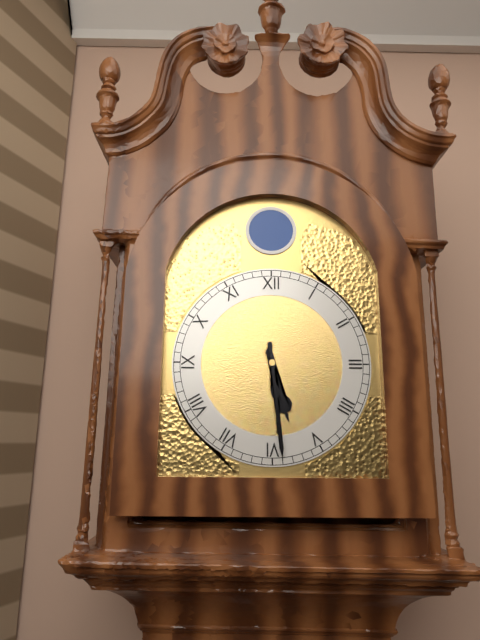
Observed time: **5:29**
